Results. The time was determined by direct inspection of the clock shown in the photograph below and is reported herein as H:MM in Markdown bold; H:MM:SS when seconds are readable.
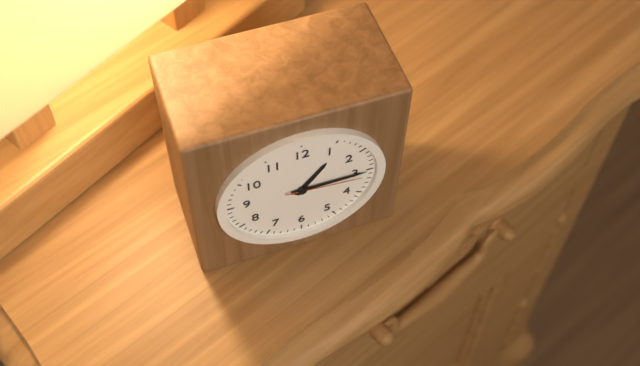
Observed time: **1:15:16**
